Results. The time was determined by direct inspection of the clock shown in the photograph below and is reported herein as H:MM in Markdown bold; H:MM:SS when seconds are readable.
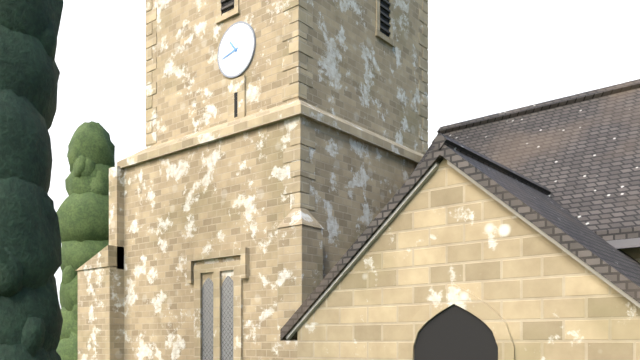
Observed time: **10:43**
